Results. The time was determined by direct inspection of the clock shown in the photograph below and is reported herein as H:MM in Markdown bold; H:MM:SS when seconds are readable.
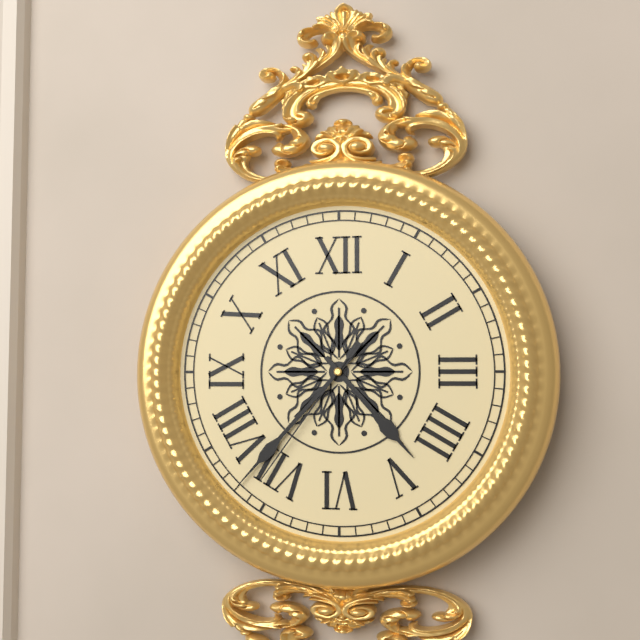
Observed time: **4:37:36**
